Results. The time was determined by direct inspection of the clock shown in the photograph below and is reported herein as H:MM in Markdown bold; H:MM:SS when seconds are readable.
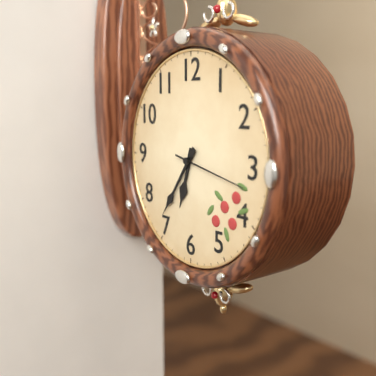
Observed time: **6:36:17**
